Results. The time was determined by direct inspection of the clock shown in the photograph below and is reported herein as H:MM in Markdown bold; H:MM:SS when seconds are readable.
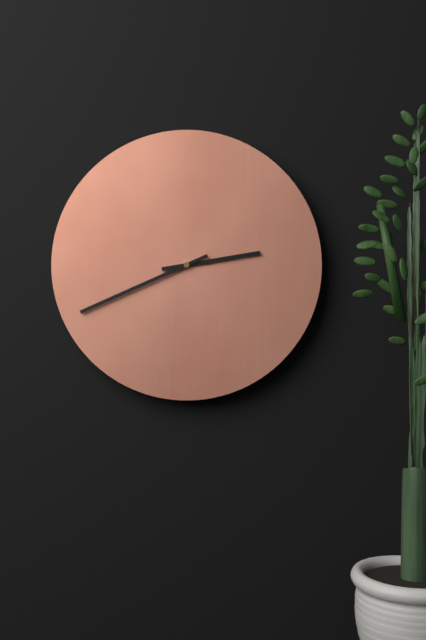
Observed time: **2:41**
